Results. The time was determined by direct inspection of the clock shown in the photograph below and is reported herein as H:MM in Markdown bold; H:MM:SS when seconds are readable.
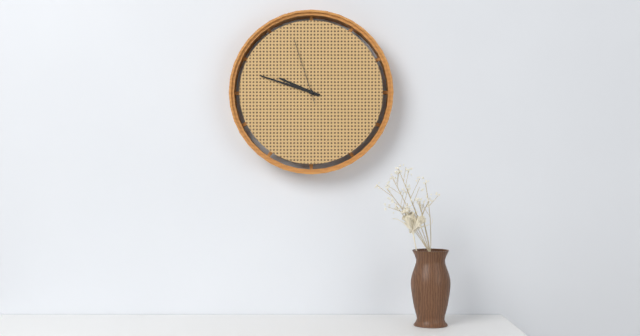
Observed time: **9:48:57**
